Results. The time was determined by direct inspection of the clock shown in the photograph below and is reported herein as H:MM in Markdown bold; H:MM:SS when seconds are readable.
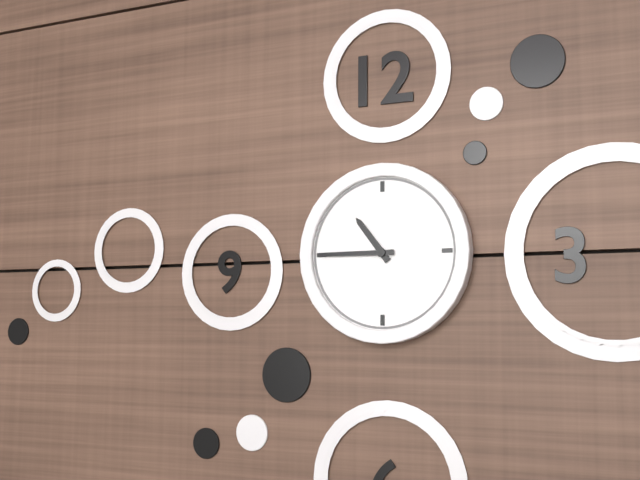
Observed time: **10:45**
